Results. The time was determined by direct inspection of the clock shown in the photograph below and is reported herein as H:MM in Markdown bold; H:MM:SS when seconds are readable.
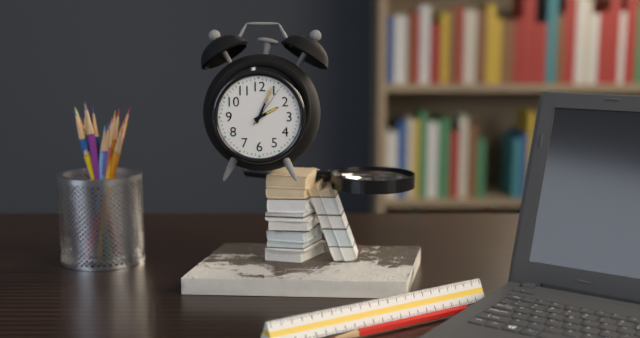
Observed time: **2:04**
